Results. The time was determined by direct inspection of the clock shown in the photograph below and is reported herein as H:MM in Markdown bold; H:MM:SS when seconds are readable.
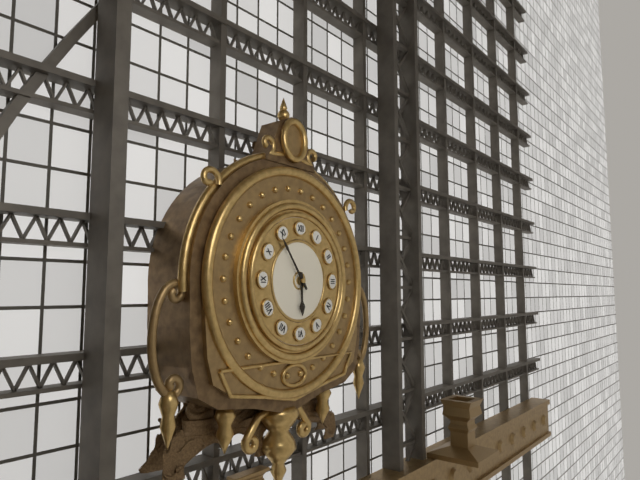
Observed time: **5:54**
